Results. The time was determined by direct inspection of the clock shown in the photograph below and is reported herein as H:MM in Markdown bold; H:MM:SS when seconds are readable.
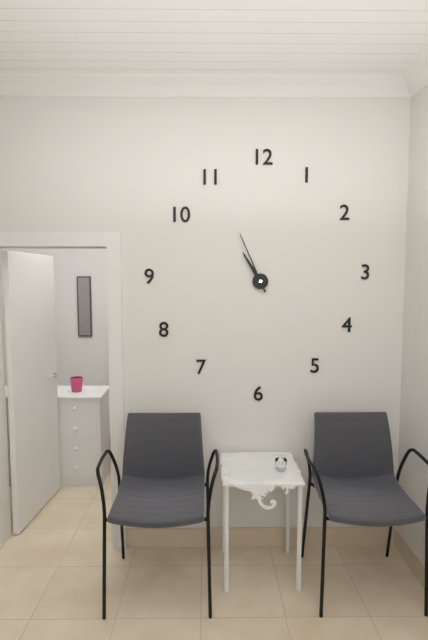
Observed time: **10:56**
